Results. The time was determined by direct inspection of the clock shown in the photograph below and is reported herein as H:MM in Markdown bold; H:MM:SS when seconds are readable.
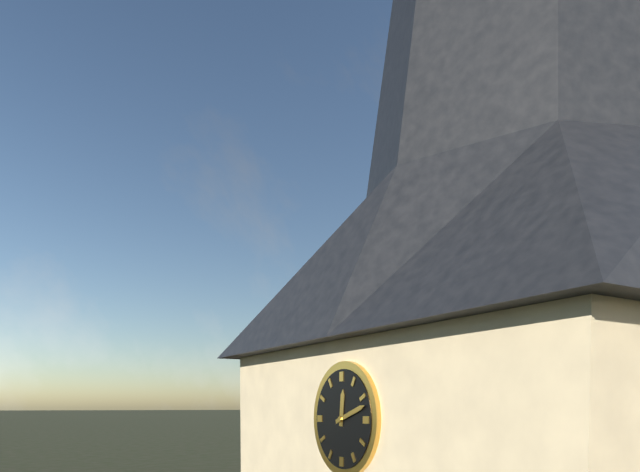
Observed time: **12:12**
